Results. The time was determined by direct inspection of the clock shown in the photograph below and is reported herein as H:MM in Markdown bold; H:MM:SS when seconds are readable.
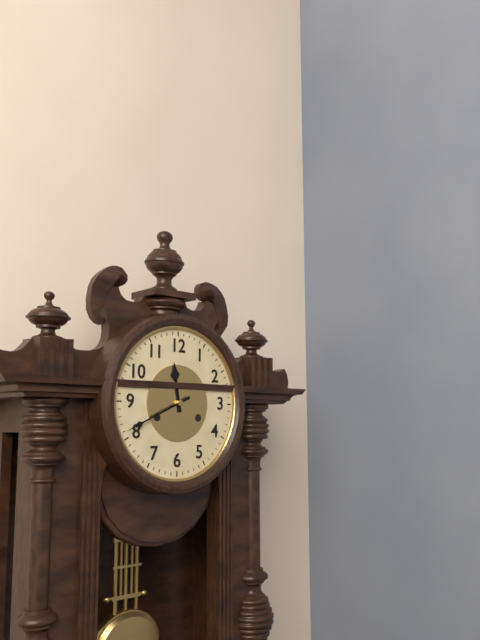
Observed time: **11:41**
